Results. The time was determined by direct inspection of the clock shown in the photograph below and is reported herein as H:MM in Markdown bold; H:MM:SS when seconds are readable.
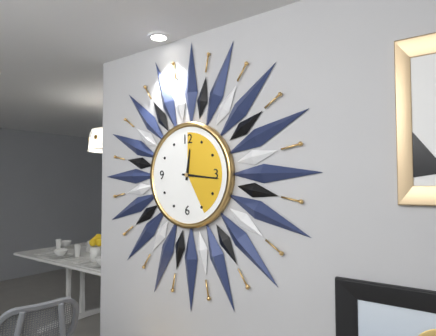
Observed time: **12:16**
